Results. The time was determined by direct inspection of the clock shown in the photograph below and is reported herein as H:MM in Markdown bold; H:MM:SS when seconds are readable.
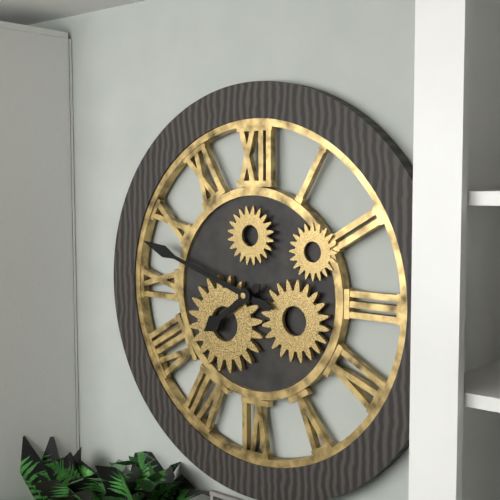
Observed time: **7:48**
